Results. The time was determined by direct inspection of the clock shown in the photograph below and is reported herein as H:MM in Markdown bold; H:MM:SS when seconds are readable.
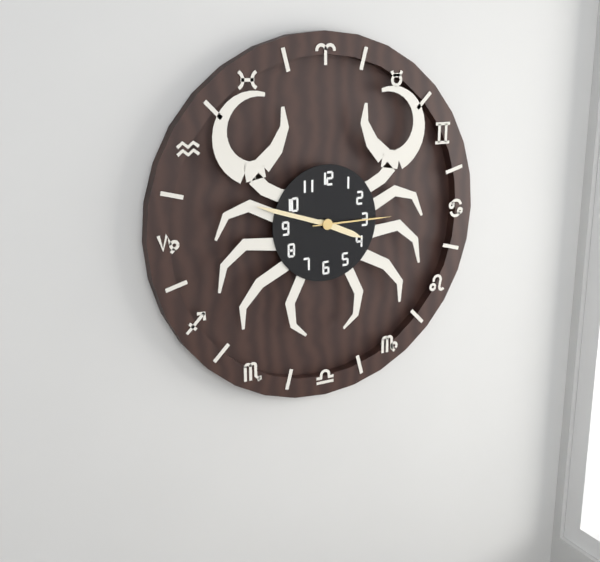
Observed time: **3:48:15**
